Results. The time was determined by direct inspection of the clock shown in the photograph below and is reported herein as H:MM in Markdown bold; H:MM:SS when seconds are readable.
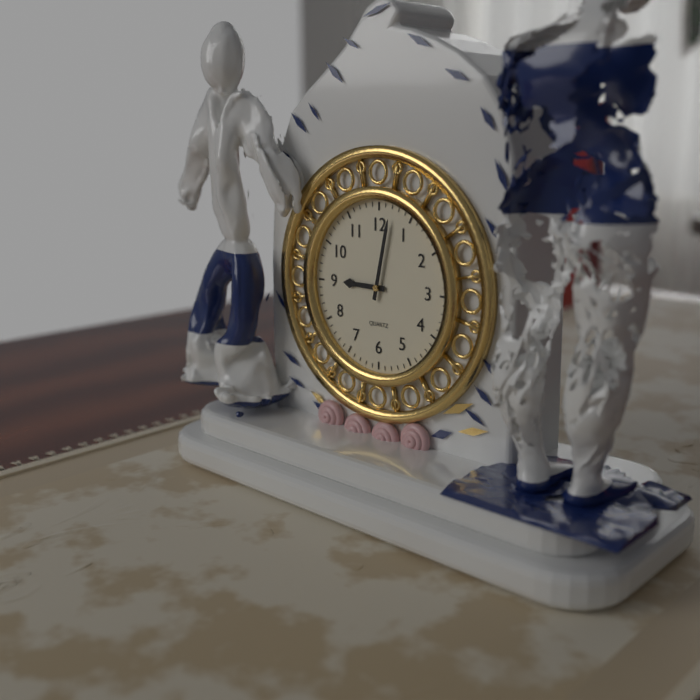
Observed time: **9:02**
